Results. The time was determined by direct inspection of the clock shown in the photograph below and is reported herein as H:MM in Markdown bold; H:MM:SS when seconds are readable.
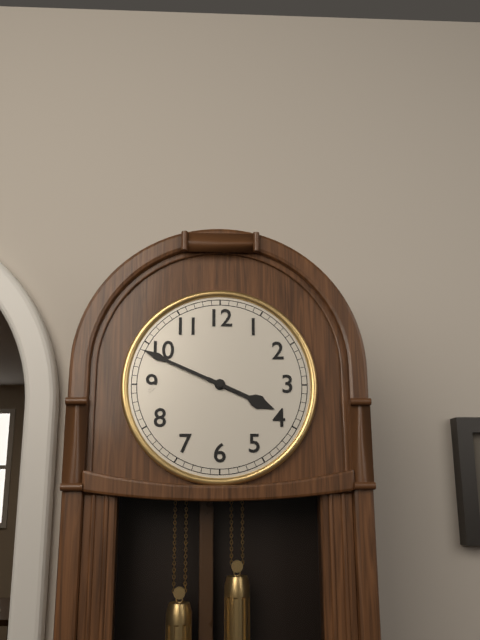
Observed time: **3:49**
